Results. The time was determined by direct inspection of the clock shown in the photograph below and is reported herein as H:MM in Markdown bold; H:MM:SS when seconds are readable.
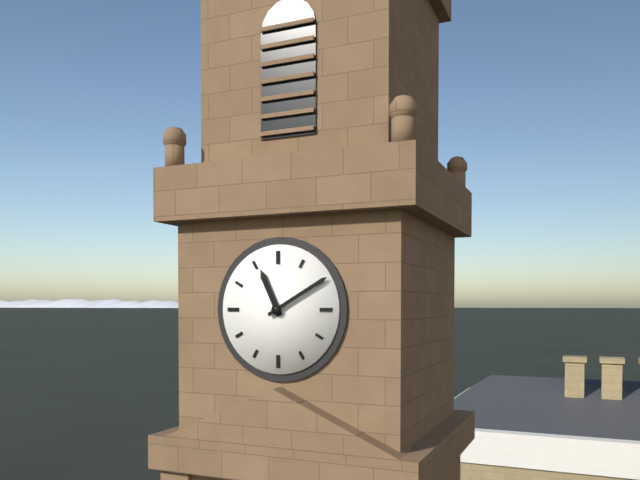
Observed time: **11:10**
